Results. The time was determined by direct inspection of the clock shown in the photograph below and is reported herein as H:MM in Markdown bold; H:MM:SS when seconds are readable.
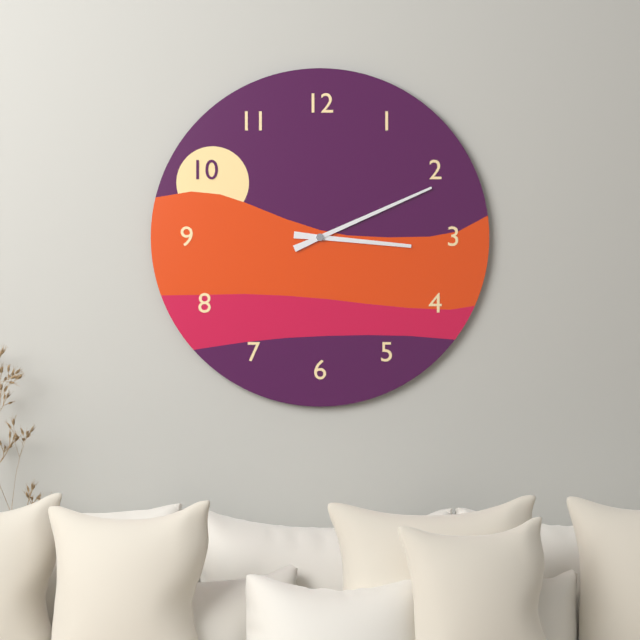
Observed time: **3:11**
